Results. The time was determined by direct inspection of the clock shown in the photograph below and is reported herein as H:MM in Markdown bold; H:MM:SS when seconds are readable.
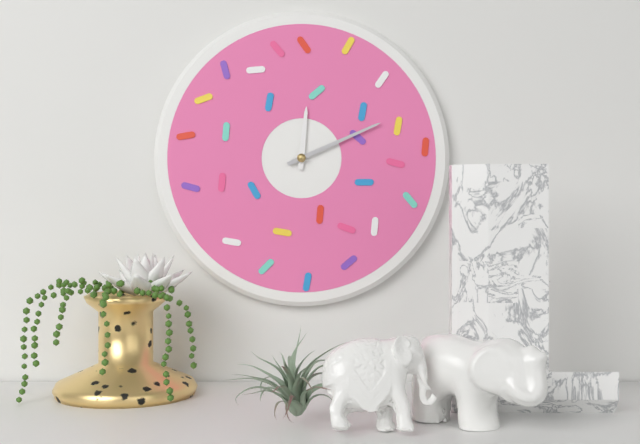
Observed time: **12:11**
